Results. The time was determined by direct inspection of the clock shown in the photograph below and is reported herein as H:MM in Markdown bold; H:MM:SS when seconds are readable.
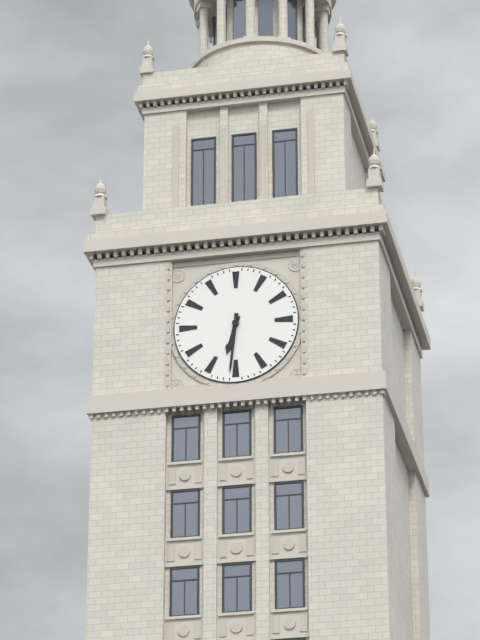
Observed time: **6:31**
